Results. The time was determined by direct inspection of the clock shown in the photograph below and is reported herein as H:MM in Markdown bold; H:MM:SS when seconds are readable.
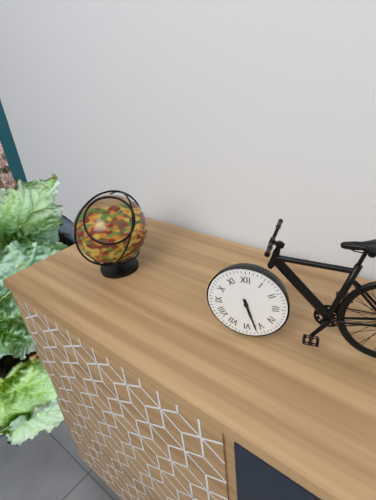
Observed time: **5:27**
